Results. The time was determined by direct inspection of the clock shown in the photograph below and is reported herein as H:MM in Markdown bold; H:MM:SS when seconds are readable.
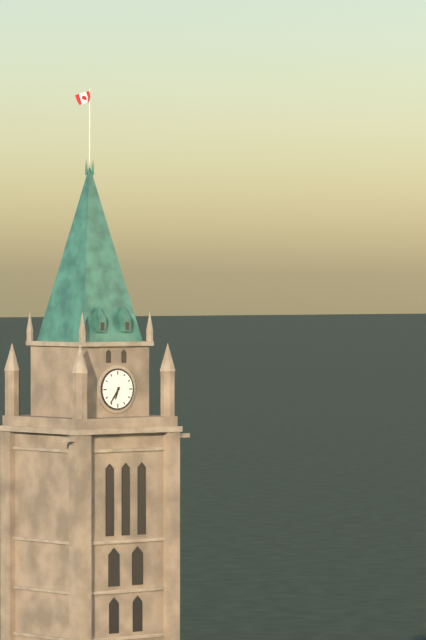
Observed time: **6:36**
